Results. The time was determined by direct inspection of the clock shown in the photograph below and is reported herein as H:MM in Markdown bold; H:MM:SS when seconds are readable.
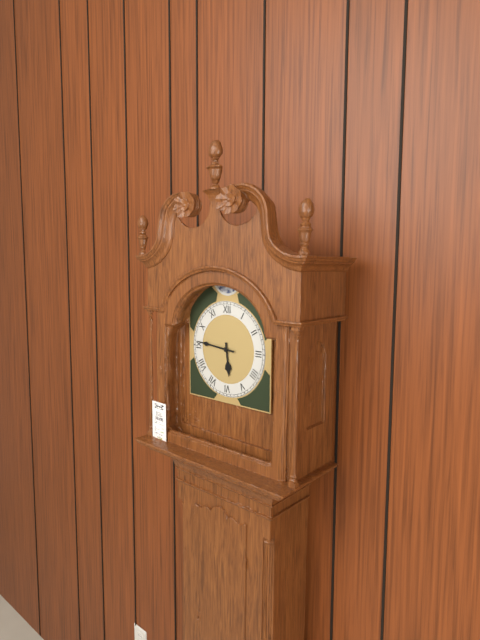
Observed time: **5:46**
